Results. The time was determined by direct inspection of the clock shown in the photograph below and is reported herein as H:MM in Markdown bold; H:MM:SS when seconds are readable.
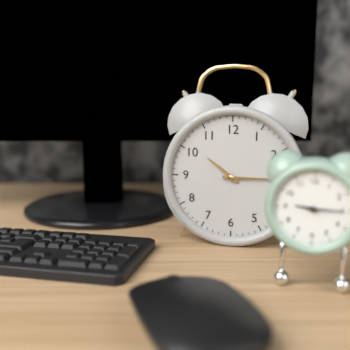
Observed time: **10:15**
